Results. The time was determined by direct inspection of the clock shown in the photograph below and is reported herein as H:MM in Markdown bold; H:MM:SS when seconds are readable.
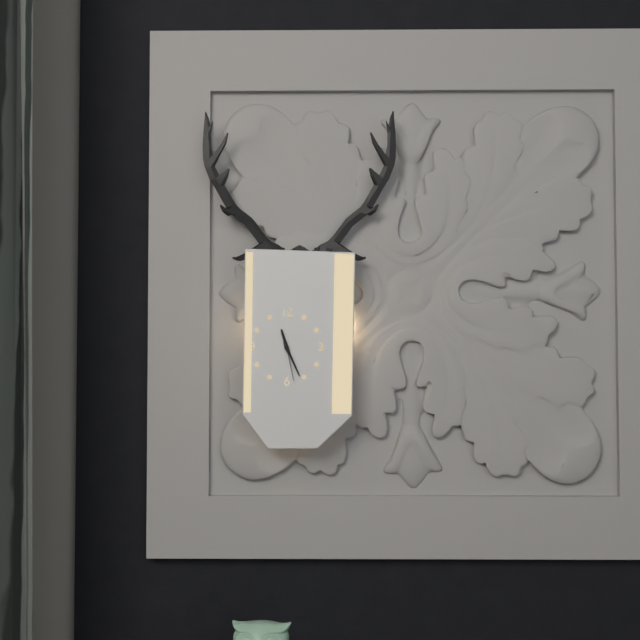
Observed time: **11:26**
